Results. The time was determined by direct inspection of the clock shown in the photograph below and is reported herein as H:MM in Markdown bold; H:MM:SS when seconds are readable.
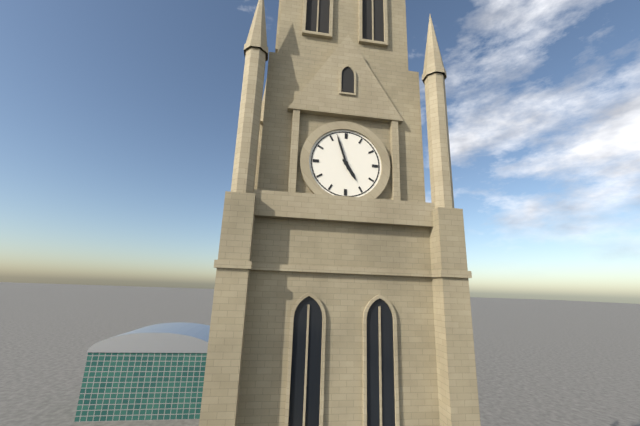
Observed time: **4:57**
